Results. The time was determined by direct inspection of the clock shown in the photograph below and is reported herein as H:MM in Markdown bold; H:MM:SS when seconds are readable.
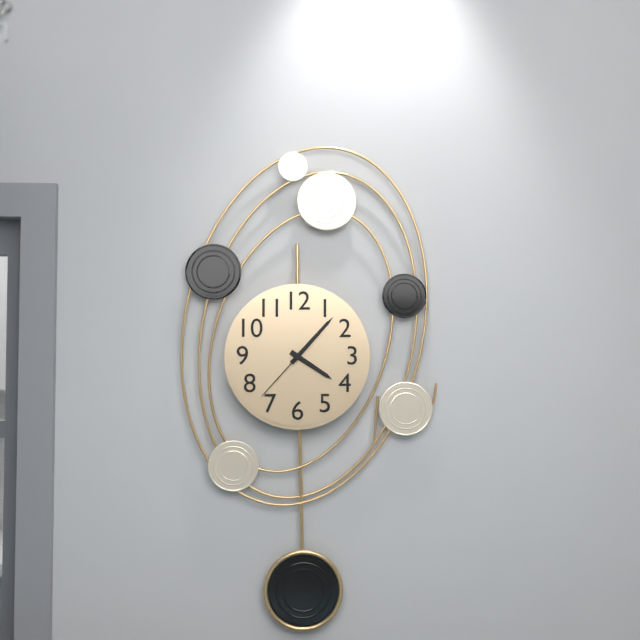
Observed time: **4:07:37**
